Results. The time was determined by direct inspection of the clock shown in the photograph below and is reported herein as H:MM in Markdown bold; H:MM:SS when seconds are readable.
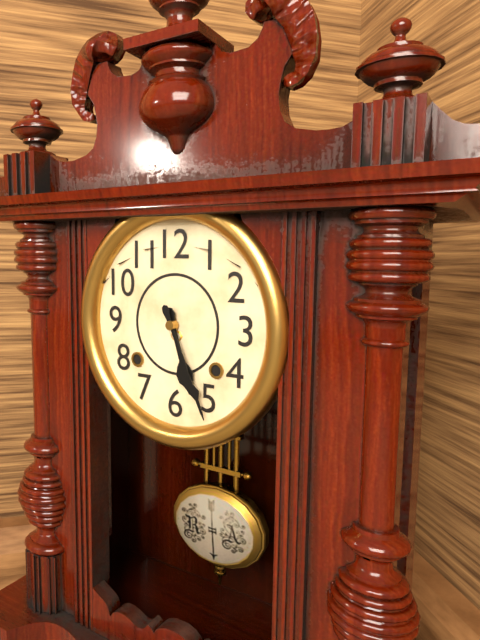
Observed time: **5:26**
